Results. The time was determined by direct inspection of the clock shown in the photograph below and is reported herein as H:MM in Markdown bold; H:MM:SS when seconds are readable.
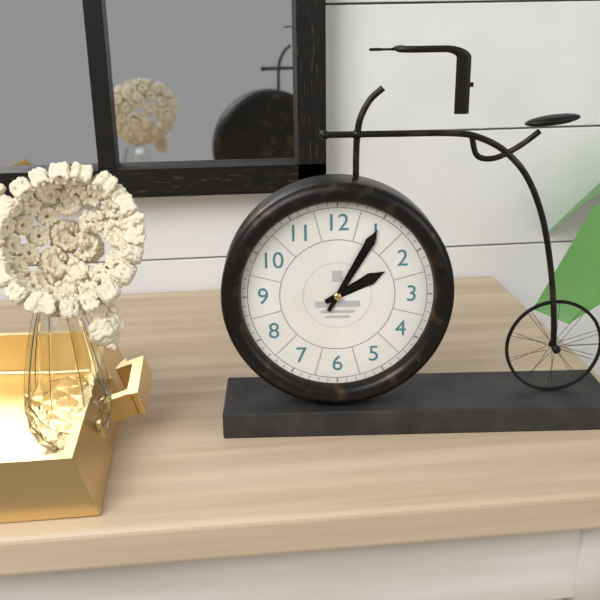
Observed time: **2:05**
